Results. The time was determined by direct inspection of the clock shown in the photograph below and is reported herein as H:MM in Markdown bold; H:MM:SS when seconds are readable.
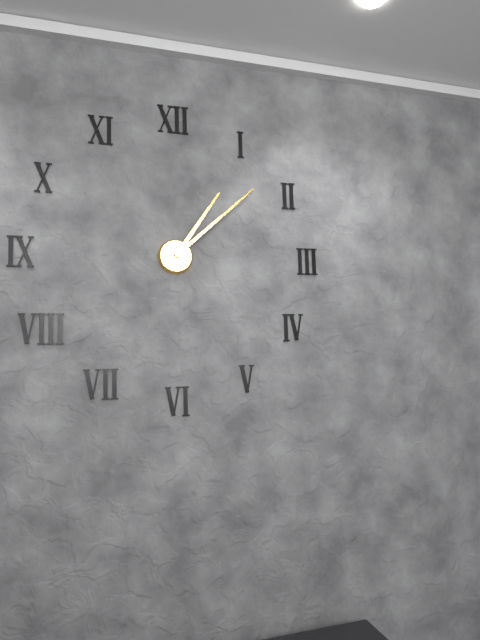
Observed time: **1:08**
